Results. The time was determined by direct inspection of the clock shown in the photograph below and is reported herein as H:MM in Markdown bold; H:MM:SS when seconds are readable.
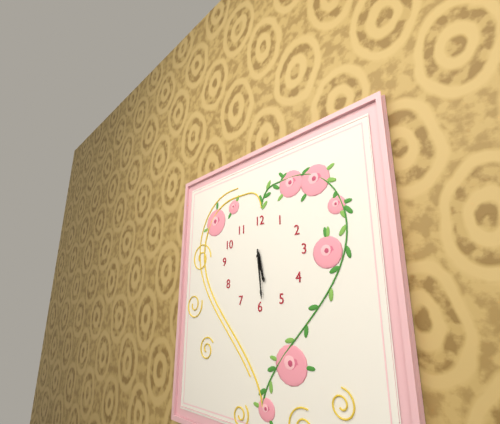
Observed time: **5:29**
